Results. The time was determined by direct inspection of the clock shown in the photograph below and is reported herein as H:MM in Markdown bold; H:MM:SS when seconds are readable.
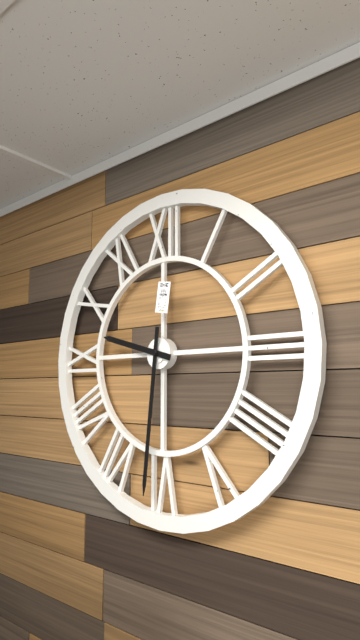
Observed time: **9:31**
